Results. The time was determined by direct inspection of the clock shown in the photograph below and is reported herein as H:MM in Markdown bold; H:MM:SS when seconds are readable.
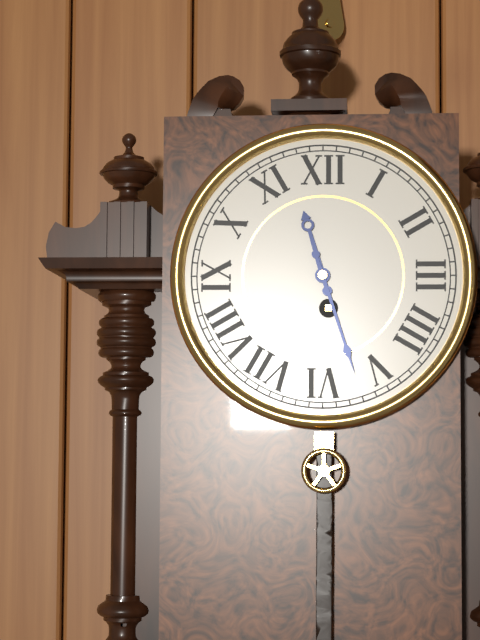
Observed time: **11:27**
